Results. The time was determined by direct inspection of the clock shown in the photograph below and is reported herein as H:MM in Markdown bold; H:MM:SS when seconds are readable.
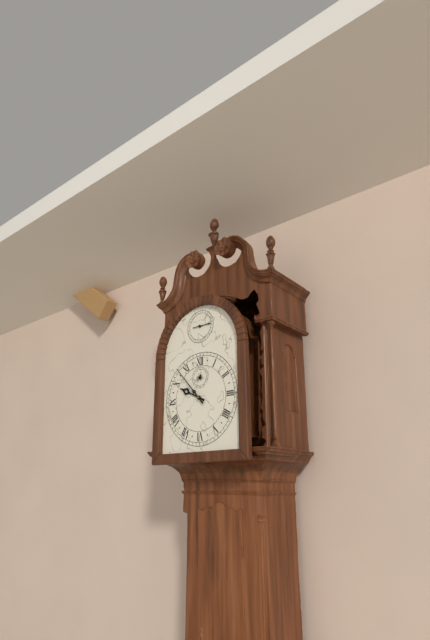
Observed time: **9:53**
